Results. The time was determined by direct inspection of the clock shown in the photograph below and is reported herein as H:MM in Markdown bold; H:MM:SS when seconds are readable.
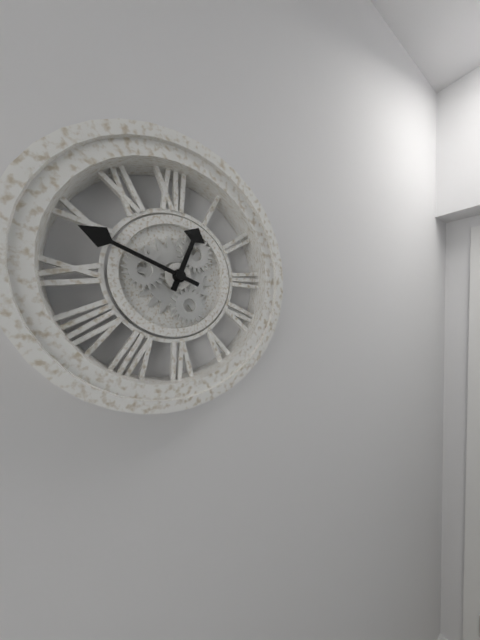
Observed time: **12:49**
